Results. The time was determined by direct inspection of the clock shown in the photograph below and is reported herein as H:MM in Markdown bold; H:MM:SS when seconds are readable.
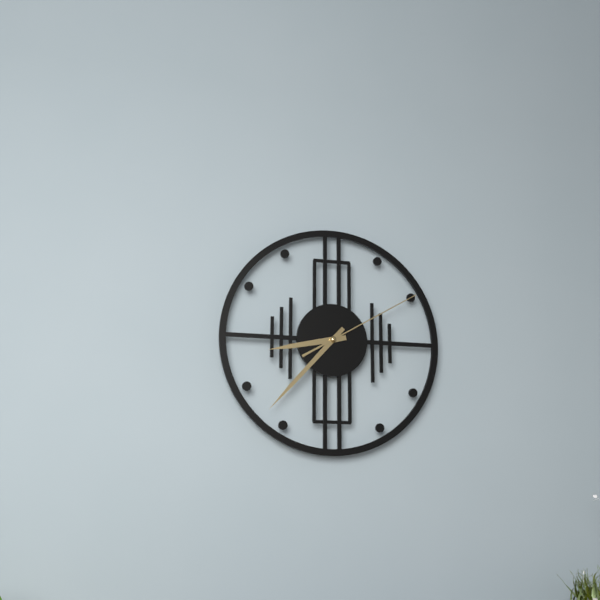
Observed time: **8:37:10**
